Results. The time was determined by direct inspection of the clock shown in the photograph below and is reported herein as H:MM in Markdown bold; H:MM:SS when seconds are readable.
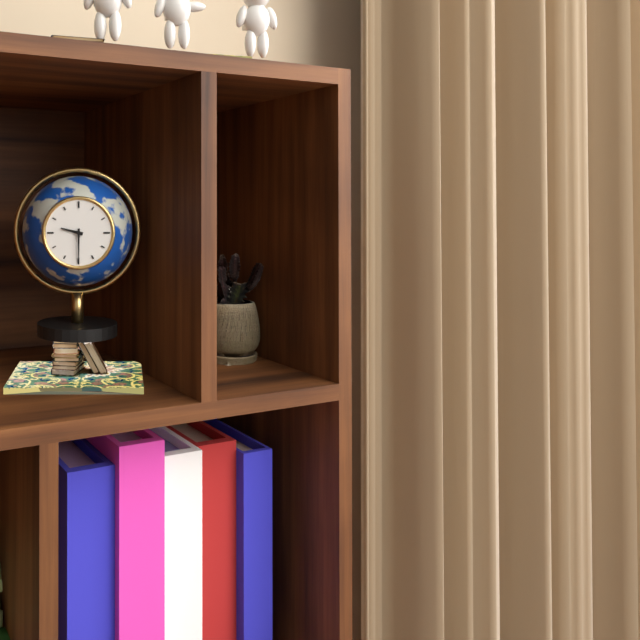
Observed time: **9:30**
